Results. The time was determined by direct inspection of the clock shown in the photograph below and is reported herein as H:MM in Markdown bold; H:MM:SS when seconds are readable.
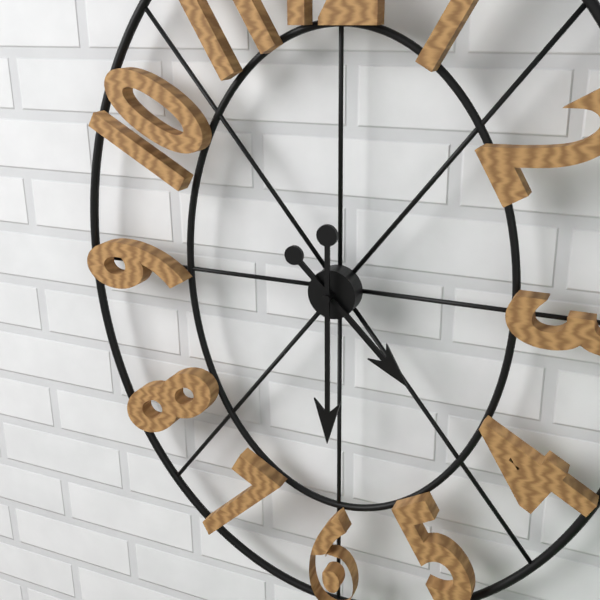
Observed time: **4:30**
